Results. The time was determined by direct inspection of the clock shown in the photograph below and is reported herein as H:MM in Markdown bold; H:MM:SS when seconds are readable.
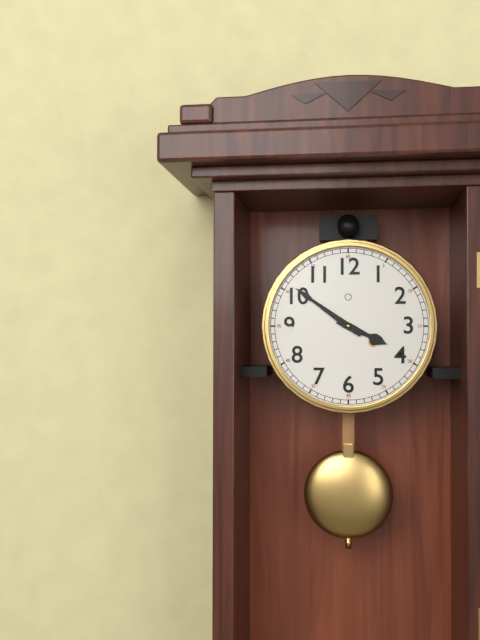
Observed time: **3:51**
